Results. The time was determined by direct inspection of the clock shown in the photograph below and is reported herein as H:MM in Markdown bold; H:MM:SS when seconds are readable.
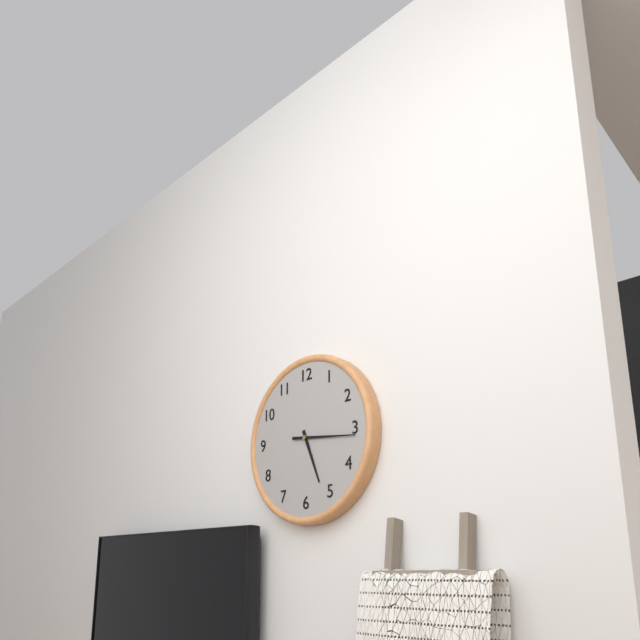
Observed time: **5:16**
